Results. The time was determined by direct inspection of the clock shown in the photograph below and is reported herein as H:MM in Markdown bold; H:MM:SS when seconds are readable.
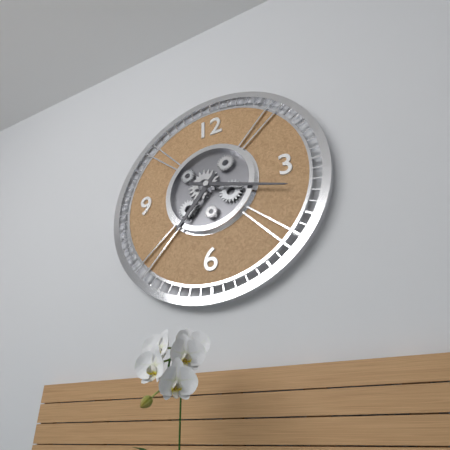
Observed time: **7:18**
